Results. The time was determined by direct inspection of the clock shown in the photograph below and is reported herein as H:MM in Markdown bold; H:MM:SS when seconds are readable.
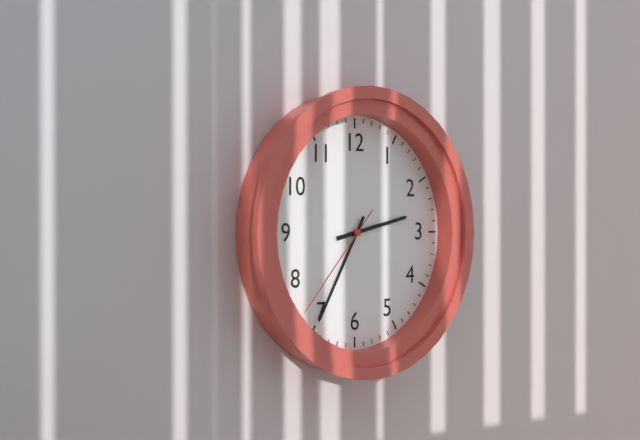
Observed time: **2:35:37**
